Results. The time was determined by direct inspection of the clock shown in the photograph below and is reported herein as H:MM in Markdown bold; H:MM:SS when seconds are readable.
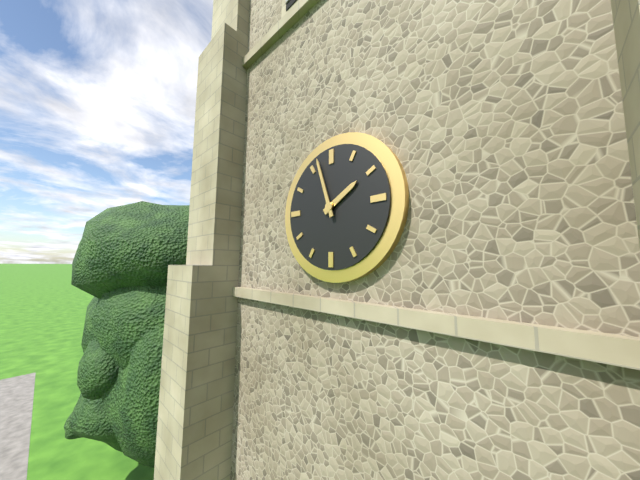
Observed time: **1:57**
